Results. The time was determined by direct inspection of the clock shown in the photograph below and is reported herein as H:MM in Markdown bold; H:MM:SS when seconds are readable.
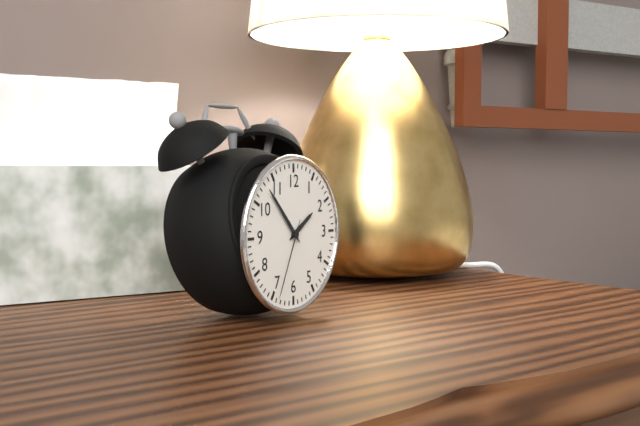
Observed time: **1:53:34**
